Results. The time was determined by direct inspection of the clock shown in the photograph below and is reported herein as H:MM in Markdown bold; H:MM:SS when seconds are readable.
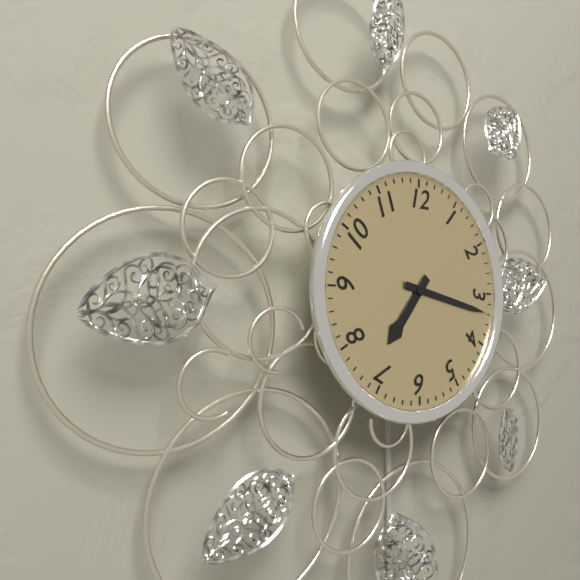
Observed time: **7:17**
